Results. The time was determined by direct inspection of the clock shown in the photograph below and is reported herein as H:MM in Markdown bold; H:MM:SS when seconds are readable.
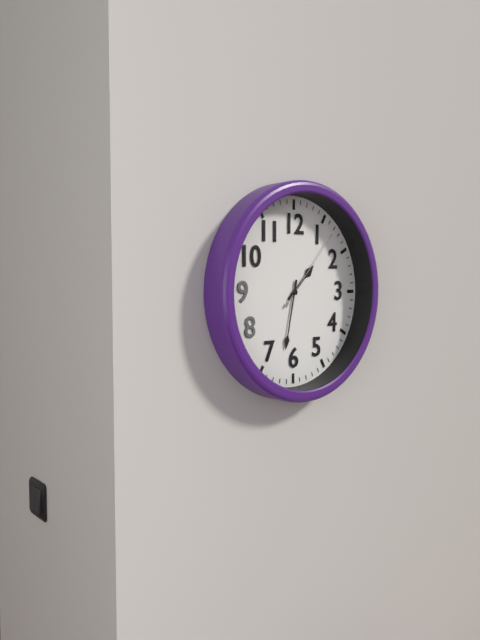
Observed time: **1:32:07**
